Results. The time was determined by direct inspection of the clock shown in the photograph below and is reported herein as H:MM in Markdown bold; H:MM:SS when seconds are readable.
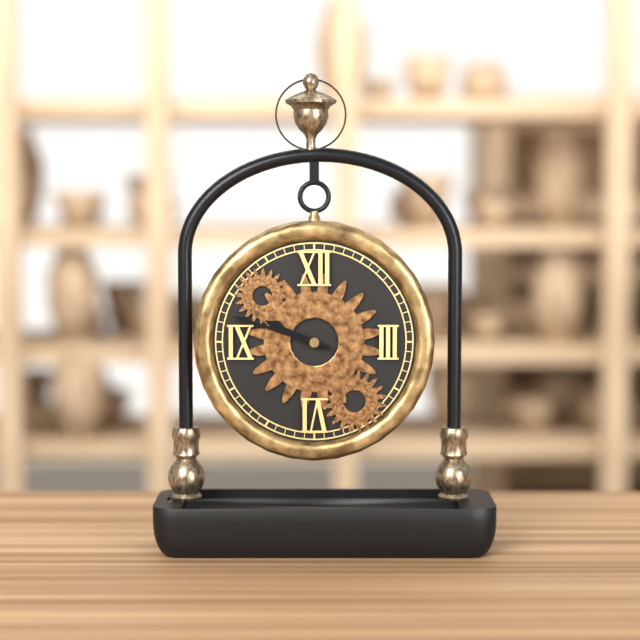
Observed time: **9:48**
